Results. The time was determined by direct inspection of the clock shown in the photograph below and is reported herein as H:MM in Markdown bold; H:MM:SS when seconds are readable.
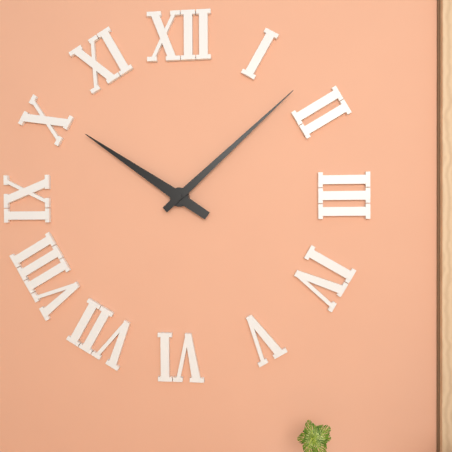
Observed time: **10:08**
